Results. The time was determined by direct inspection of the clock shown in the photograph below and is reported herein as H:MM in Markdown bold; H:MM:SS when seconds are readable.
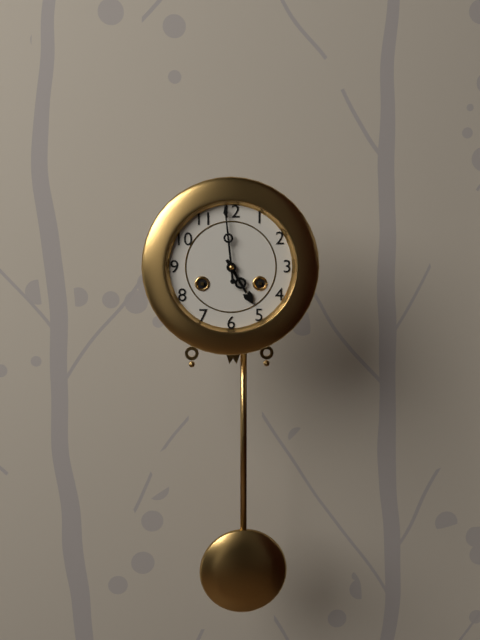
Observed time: **4:59**
